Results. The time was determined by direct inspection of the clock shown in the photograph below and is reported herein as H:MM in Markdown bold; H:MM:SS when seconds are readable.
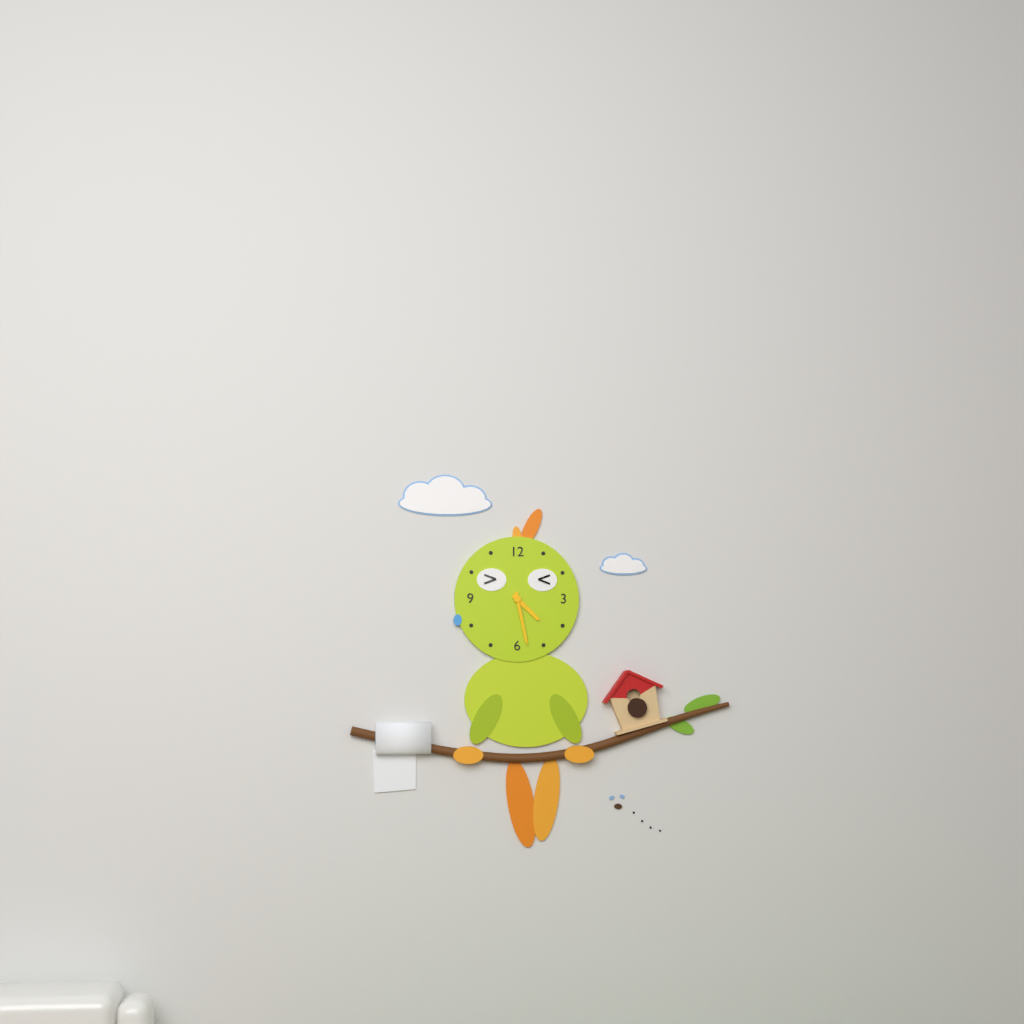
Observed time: **4:28**
